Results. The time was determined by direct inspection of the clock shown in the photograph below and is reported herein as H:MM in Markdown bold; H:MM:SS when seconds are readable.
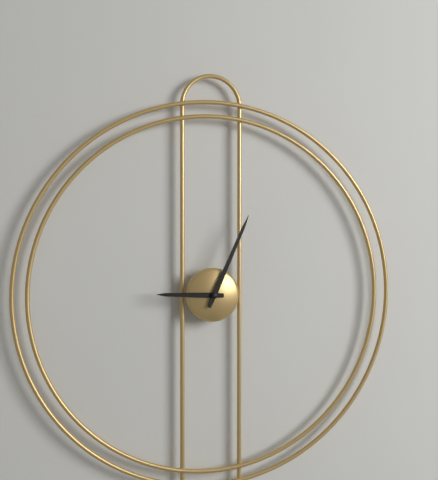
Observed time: **9:04**
